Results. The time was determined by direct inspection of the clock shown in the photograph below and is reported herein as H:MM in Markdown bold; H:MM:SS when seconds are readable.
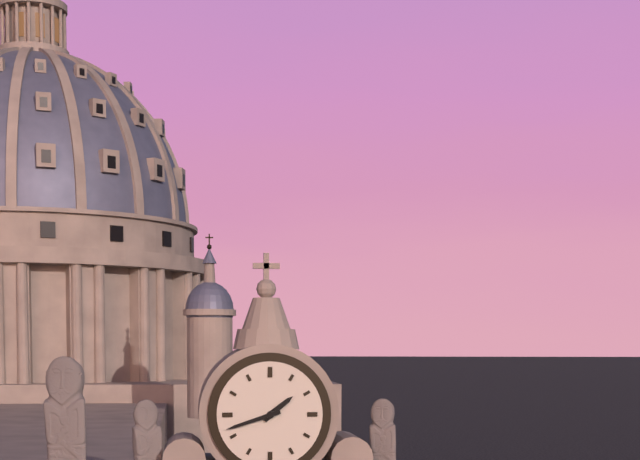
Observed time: **1:42**
